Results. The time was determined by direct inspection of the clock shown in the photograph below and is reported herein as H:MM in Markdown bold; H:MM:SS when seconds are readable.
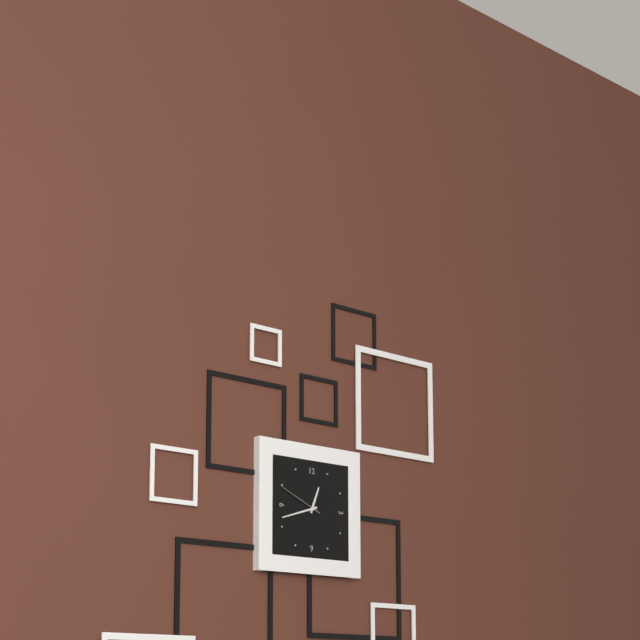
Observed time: **12:42**
